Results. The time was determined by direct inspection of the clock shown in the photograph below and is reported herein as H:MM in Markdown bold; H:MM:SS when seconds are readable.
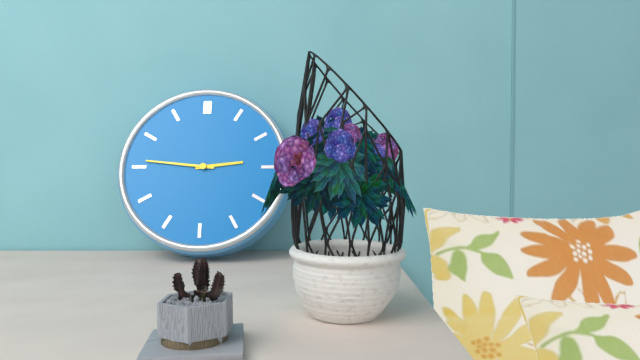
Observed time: **2:46**
